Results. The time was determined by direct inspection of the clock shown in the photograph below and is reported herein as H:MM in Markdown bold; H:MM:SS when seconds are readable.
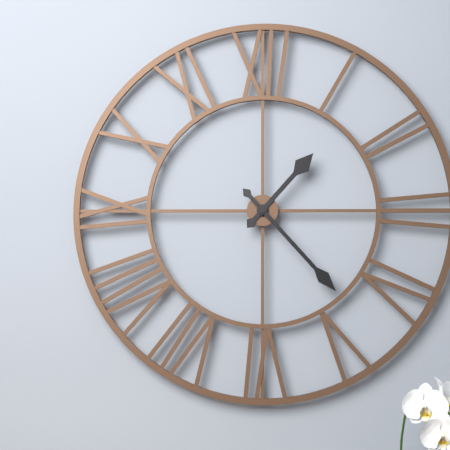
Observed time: **1:23**
